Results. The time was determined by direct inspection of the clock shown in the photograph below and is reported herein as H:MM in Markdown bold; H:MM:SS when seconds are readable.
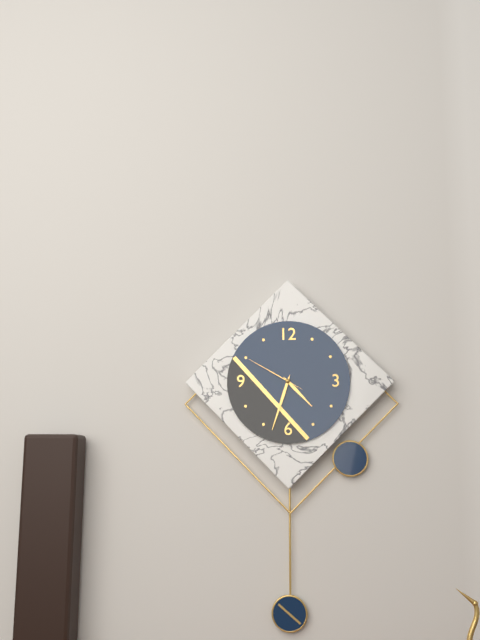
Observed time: **4:33:50**
